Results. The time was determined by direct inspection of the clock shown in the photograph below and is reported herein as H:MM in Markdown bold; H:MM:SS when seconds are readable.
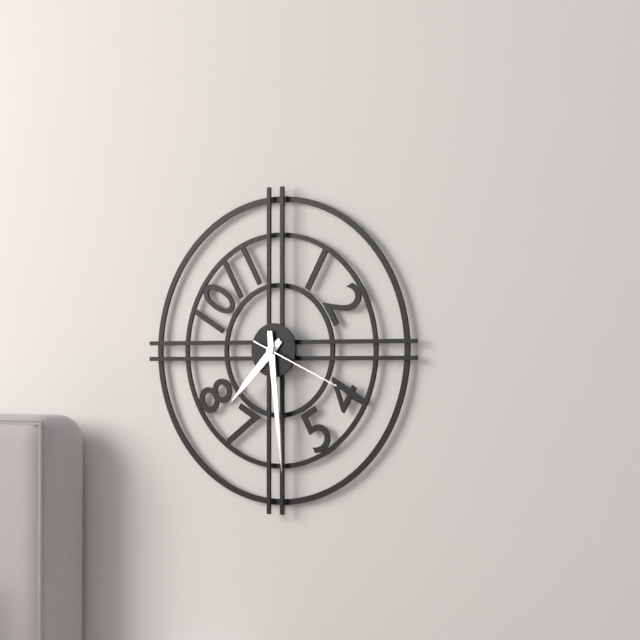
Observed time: **7:29:19**
